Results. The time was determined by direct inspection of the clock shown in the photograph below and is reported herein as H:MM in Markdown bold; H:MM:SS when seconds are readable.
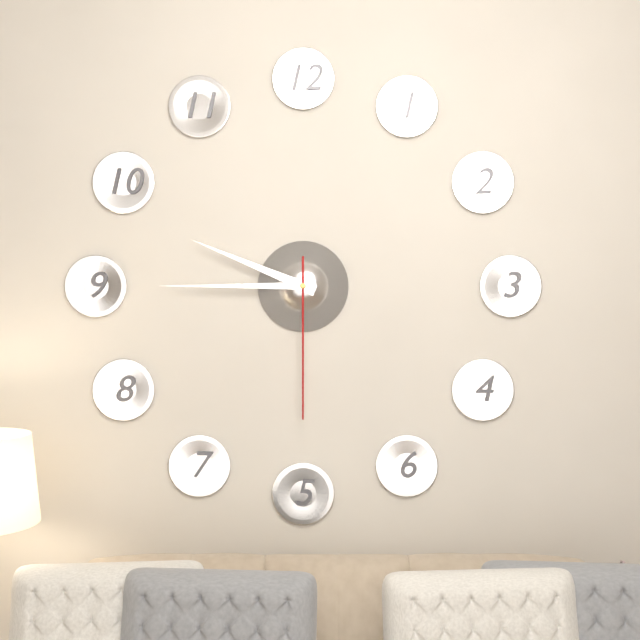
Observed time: **9:45:30**
